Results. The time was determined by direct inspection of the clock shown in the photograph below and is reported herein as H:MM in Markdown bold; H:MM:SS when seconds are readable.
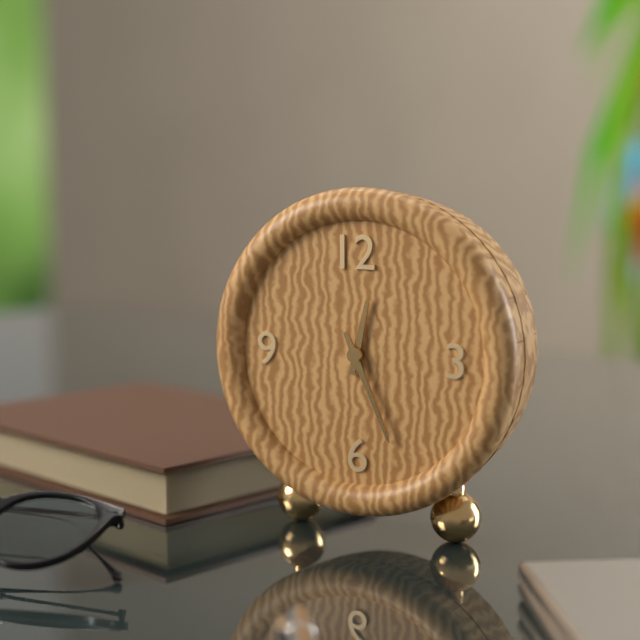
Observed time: **12:26**
